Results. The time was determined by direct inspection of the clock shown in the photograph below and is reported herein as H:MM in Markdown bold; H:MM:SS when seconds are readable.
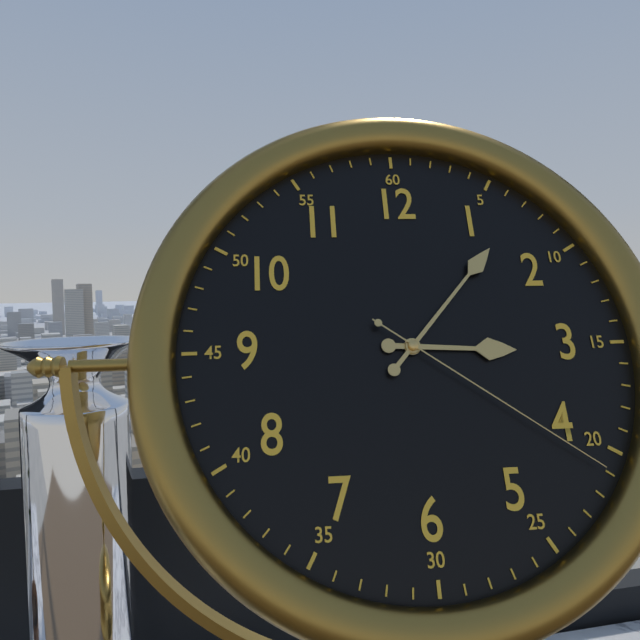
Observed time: **3:07:21**
